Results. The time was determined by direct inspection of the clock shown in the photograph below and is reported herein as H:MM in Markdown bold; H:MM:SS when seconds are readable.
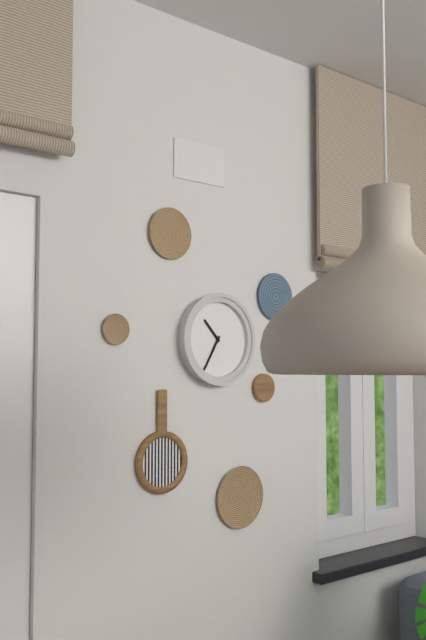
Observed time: **10:35**
